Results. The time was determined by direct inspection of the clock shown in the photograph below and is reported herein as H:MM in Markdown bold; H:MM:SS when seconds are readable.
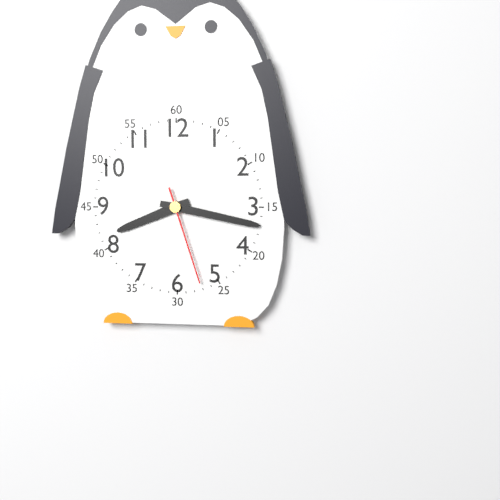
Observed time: **8:17:27**
